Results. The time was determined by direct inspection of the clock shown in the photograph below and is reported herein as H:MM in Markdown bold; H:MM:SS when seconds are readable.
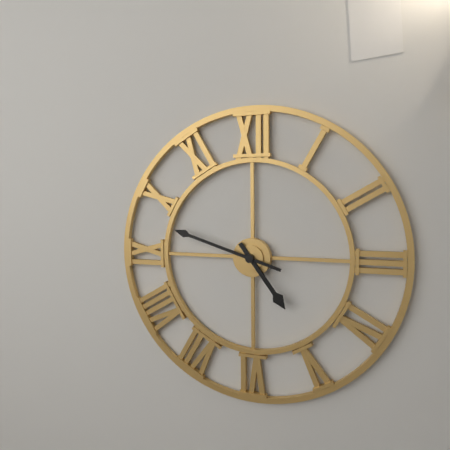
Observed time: **4:48**
